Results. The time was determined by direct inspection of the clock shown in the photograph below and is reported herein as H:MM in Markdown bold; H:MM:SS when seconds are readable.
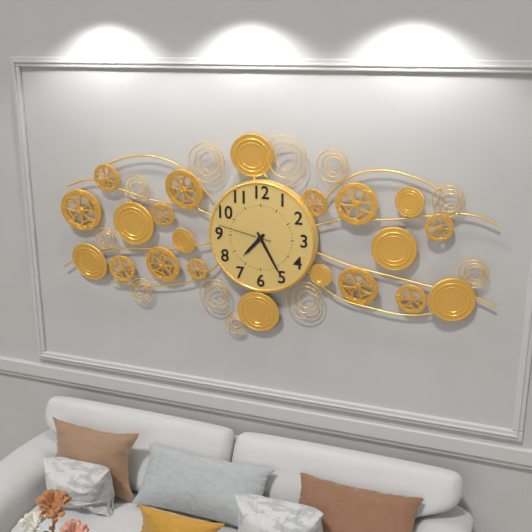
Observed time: **7:25:47**
